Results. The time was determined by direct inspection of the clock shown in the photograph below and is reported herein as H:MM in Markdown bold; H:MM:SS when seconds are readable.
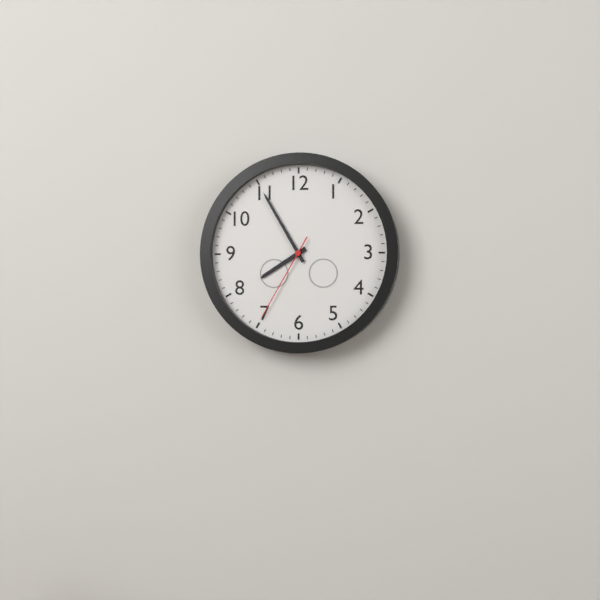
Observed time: **7:55:35**
